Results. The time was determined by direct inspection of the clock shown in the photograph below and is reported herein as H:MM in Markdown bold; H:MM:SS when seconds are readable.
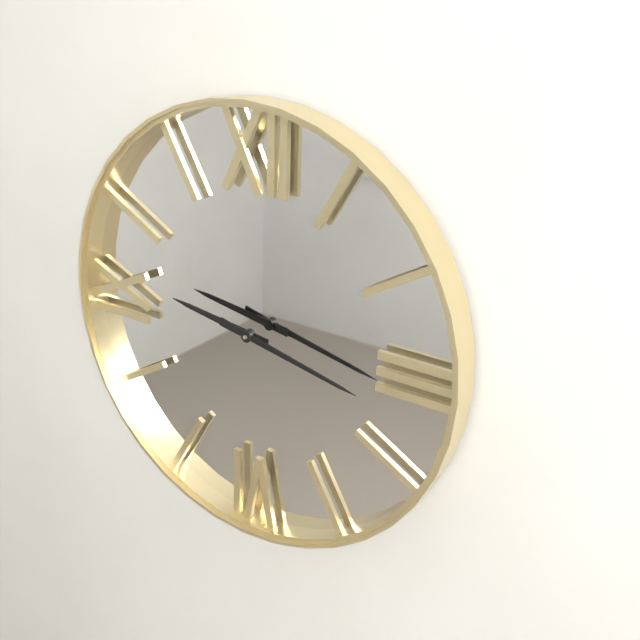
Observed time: **9:17**
